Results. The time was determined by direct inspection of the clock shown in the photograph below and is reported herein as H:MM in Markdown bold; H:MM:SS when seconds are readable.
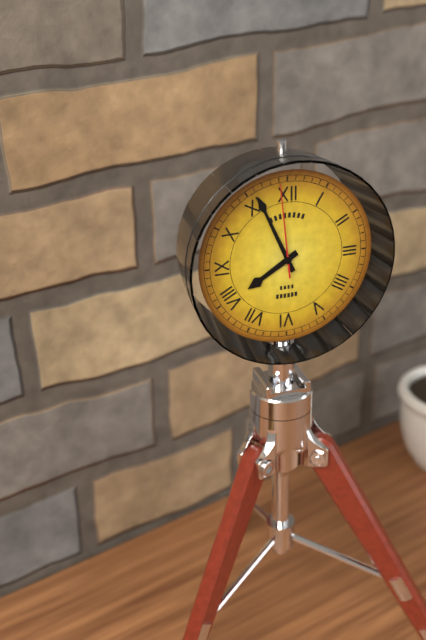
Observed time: **7:56:59**
